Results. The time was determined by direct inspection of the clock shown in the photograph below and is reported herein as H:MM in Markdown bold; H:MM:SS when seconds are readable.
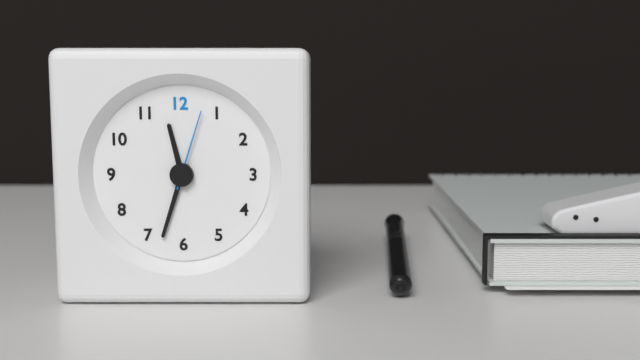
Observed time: **11:33:03**
